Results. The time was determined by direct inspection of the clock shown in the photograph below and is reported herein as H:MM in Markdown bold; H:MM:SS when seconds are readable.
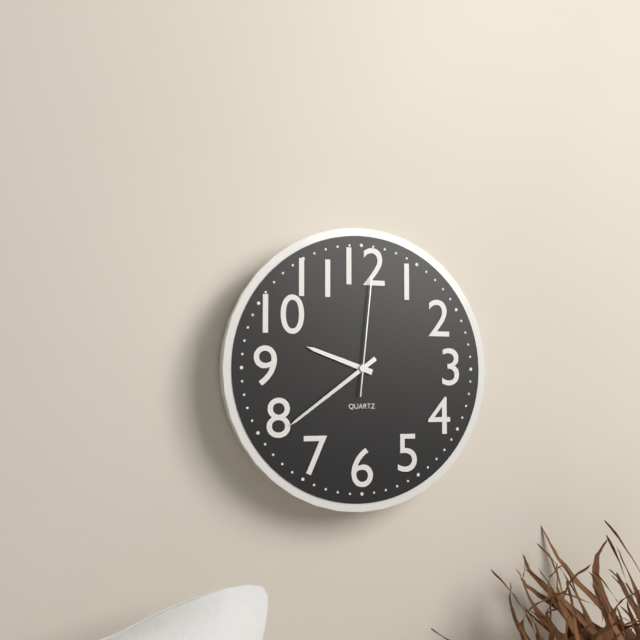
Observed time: **9:39:01**
